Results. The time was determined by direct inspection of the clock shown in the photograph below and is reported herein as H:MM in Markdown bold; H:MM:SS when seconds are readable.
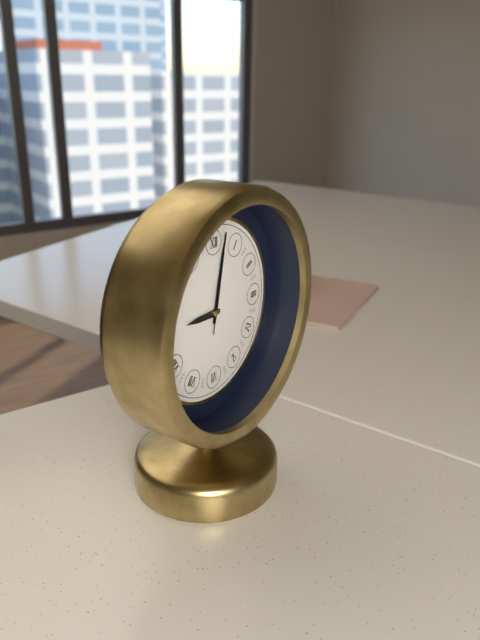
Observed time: **9:02:02**
